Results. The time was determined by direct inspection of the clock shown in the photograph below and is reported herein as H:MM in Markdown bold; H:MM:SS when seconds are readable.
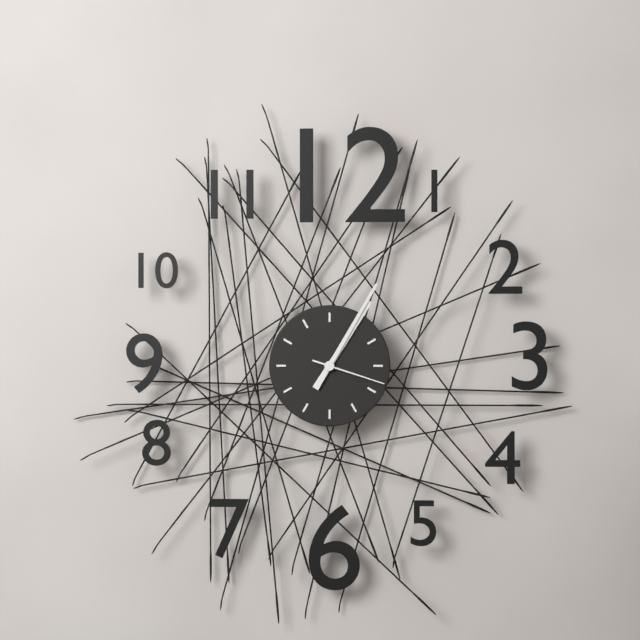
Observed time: **1:05:18**
